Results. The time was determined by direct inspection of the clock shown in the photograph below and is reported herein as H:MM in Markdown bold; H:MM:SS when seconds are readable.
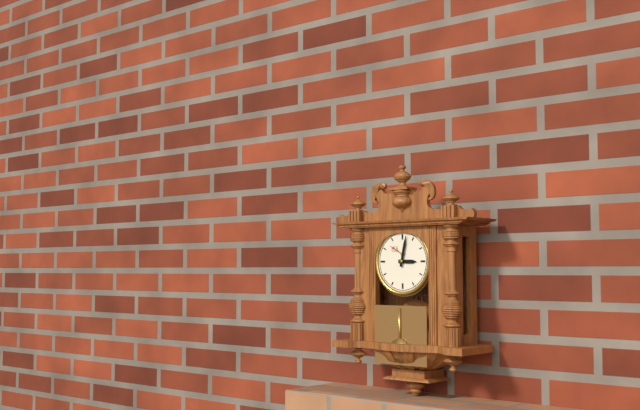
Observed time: **3:02**
